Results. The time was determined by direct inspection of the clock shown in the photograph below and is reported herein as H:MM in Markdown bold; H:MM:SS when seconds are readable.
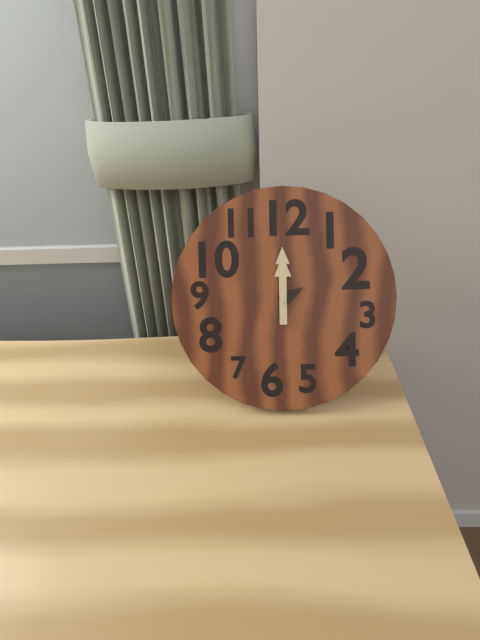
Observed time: **2:00**
